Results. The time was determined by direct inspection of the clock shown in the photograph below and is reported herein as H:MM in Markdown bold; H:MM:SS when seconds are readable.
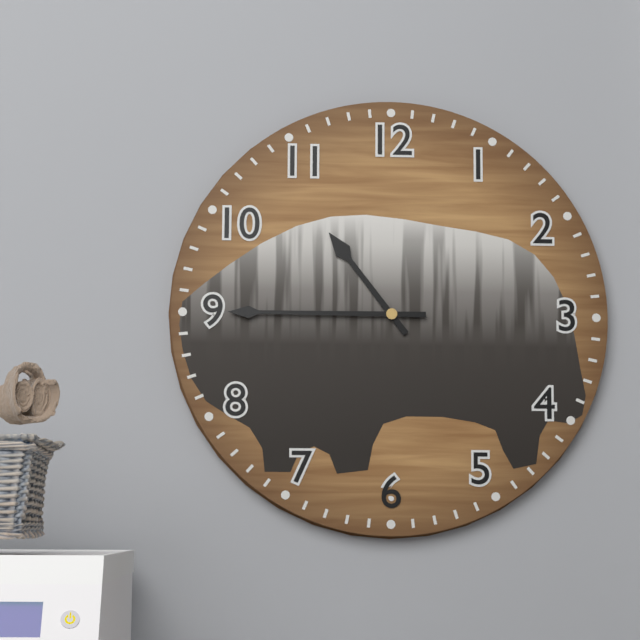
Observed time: **10:45**
